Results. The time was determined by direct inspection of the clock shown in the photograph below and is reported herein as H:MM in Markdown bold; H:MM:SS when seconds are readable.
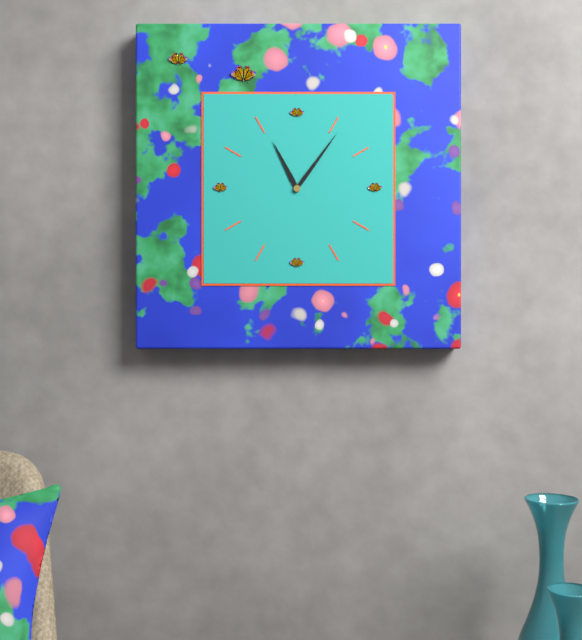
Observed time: **11:06**
